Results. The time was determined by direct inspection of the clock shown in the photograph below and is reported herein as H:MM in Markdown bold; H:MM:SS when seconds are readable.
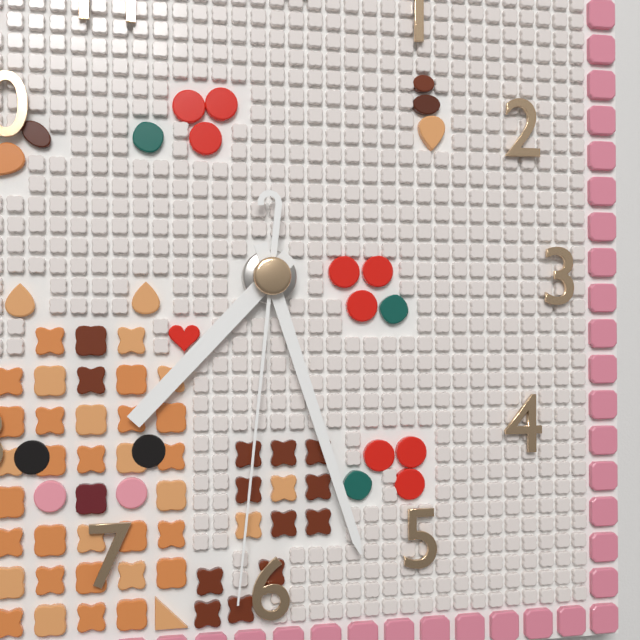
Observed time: **7:27:31**
